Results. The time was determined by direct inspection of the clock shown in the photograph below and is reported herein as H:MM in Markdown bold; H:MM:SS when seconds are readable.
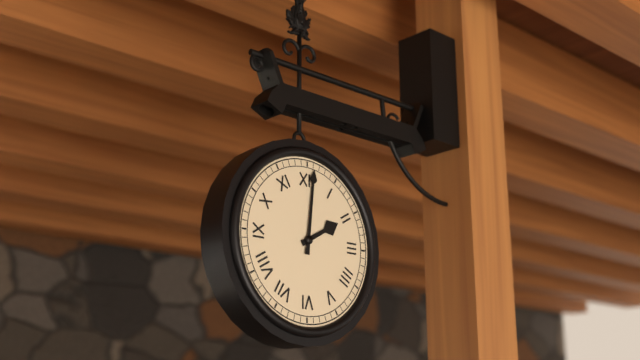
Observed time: **2:01**
